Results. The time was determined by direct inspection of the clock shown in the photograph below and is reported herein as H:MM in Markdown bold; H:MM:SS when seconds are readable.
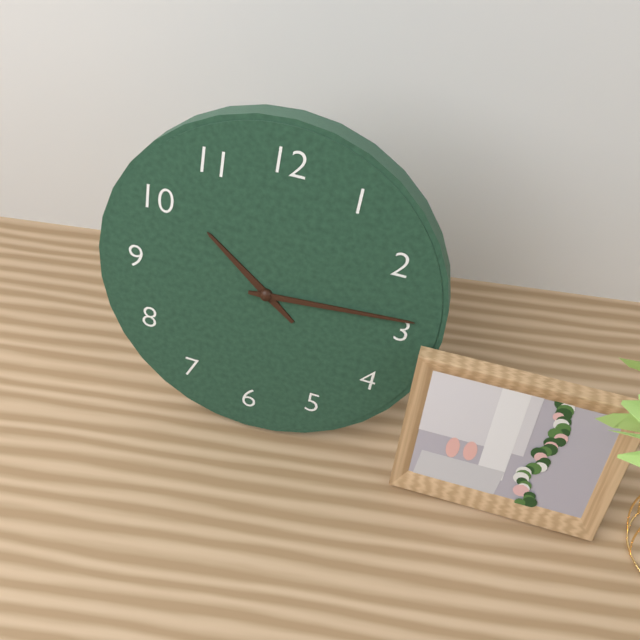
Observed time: **10:14**
